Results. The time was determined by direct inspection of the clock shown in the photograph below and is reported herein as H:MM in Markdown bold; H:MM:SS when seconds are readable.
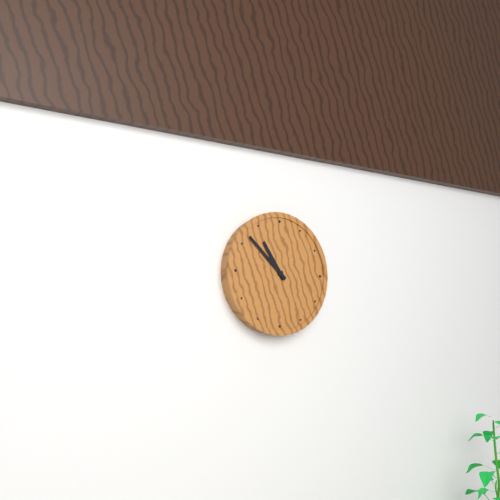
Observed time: **10:52**
